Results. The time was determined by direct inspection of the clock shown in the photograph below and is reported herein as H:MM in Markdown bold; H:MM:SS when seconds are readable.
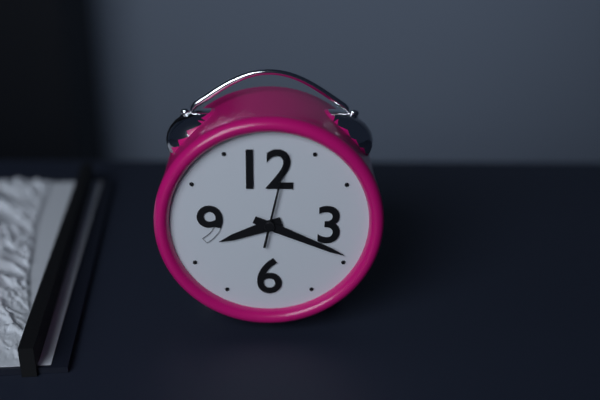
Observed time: **8:19:02**
